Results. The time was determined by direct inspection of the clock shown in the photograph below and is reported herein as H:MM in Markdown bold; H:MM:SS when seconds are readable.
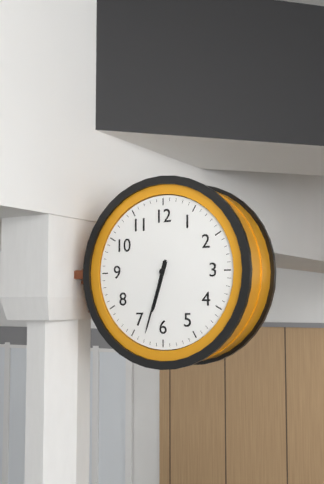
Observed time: **6:33**
